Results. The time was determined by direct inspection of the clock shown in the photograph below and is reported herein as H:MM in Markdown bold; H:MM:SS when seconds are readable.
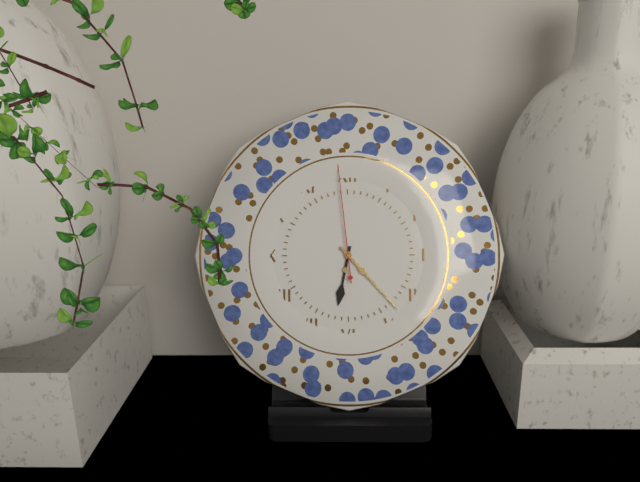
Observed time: **6:23:59**
